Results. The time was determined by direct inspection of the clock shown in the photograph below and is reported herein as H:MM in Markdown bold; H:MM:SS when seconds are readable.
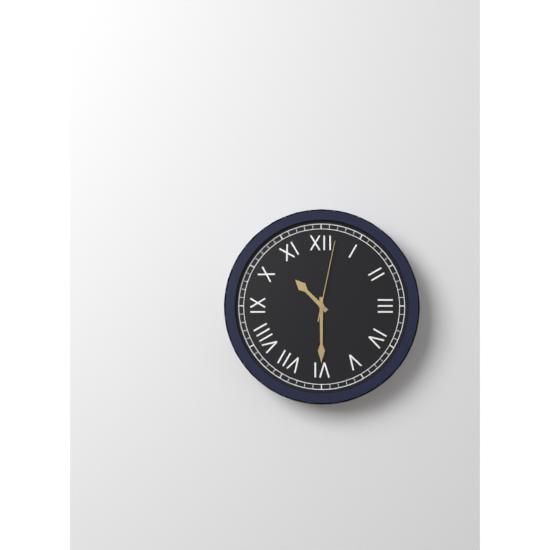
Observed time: **10:30:02**
